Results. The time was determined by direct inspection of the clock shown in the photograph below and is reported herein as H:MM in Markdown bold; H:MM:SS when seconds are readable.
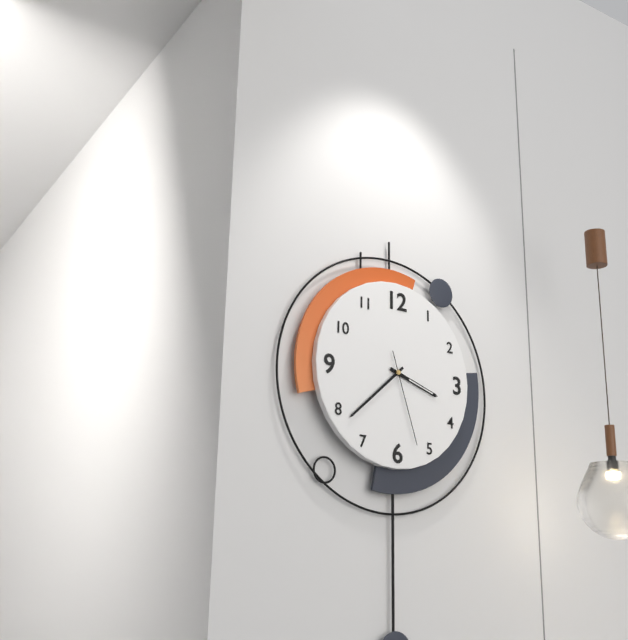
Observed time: **3:38:27**
